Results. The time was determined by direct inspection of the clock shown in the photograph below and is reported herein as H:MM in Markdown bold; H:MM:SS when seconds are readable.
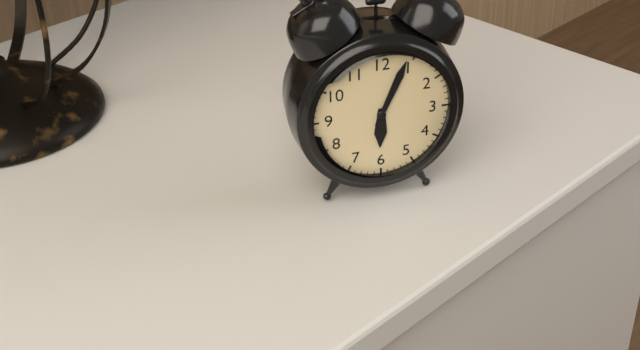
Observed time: **6:04**
